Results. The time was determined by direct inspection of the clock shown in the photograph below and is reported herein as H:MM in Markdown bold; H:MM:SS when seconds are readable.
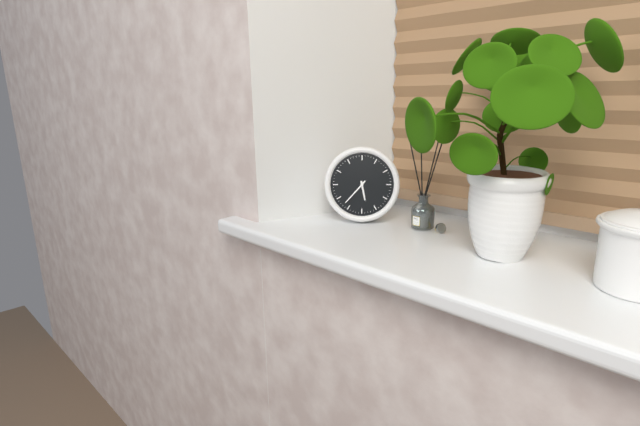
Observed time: **5:37**
